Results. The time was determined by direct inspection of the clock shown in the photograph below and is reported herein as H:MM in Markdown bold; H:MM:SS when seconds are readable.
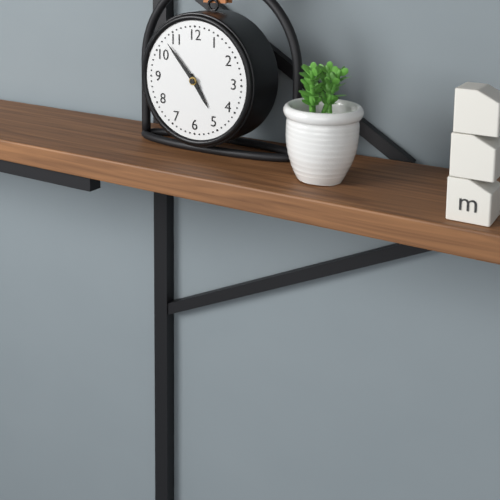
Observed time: **4:53**
